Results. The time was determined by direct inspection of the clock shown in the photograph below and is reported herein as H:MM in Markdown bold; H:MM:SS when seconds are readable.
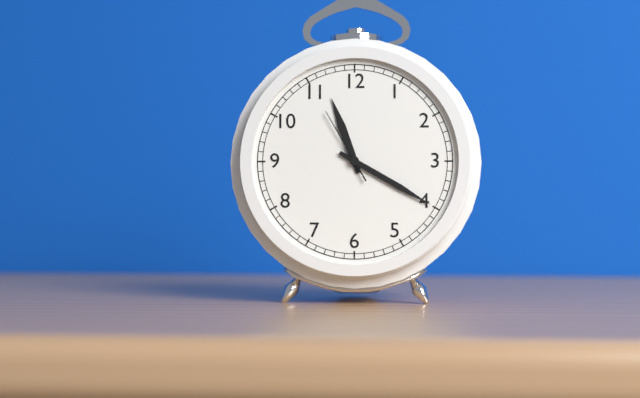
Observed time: **11:20:55**
